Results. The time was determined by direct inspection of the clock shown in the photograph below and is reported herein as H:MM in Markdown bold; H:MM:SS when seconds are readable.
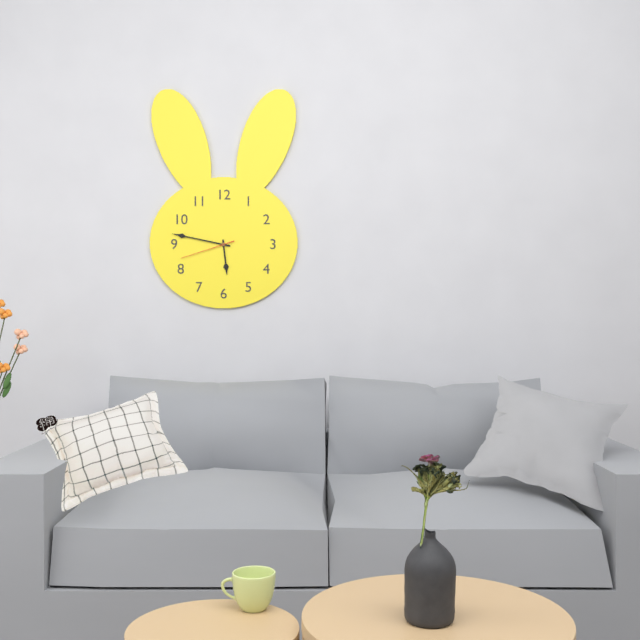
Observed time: **5:47:42**
